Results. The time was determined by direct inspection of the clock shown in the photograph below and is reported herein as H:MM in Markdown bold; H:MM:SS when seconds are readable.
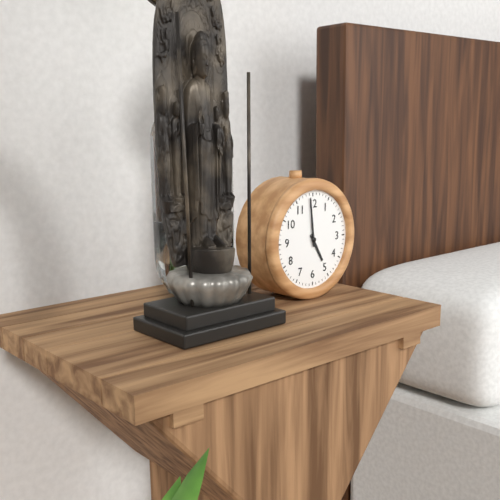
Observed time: **4:59**
